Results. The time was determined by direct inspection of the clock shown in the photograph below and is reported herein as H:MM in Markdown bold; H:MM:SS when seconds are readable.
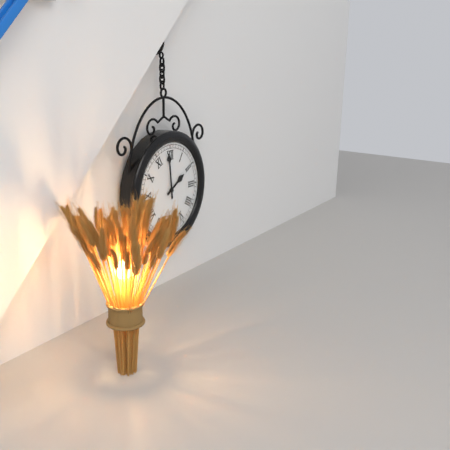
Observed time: **1:59**
